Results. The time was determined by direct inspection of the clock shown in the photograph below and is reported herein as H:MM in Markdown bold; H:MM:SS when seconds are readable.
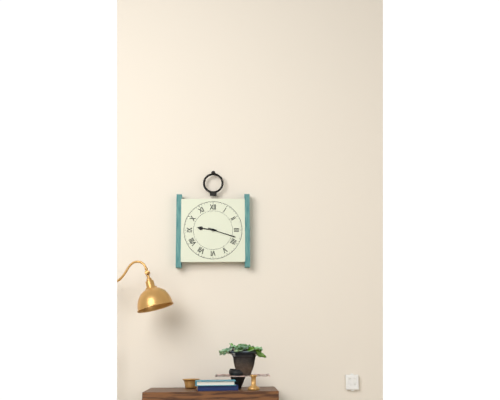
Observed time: **9:18**
